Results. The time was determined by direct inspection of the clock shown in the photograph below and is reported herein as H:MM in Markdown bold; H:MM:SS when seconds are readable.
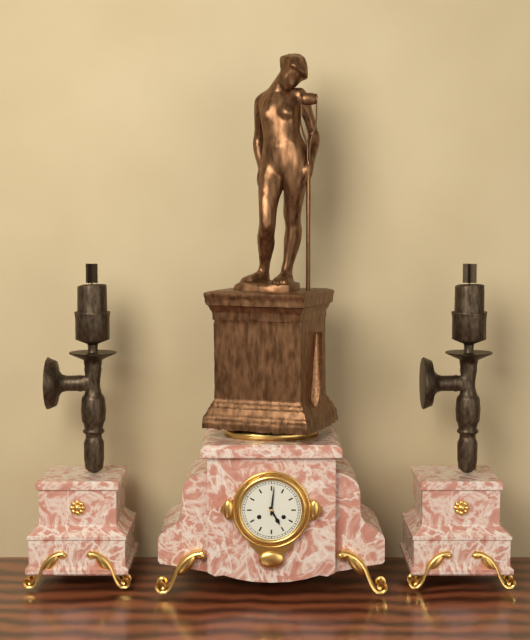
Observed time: **5:01**
